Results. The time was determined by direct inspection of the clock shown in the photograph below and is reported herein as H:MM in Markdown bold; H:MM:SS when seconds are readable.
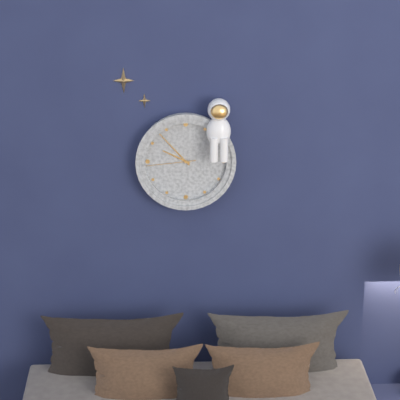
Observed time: **9:53:44**
